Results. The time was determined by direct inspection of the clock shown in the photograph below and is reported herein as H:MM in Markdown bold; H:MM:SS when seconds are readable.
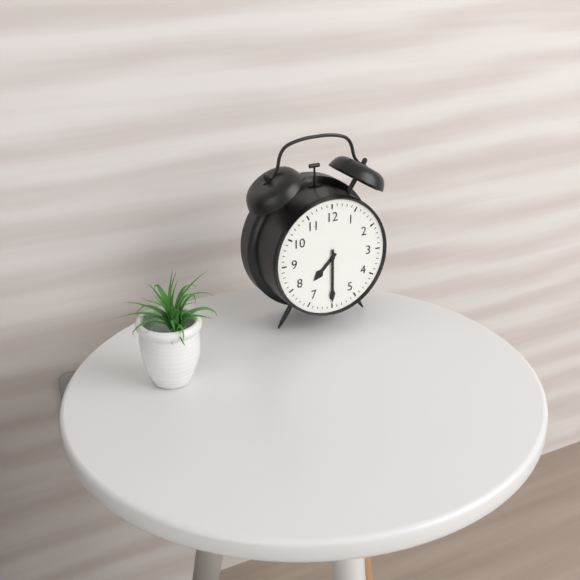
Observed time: **7:30**
